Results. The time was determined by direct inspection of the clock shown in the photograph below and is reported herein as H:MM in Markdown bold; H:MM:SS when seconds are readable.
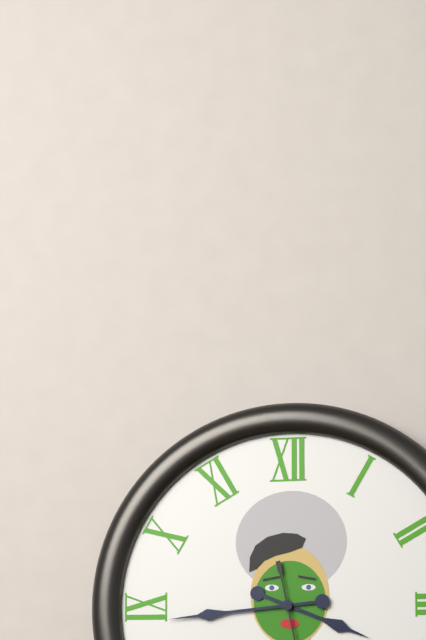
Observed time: **3:44**
